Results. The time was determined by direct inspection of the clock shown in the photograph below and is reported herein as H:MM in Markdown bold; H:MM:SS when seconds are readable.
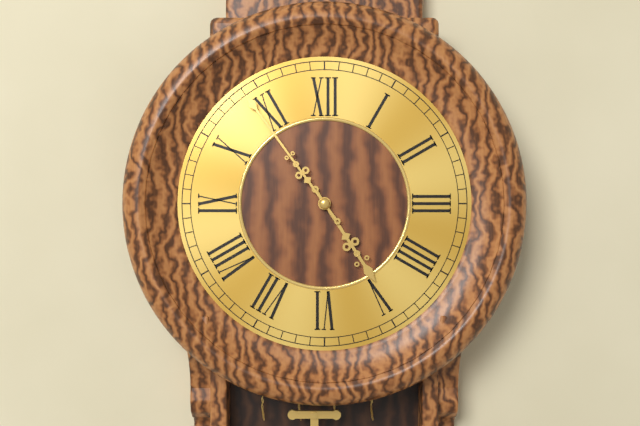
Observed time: **4:54**
